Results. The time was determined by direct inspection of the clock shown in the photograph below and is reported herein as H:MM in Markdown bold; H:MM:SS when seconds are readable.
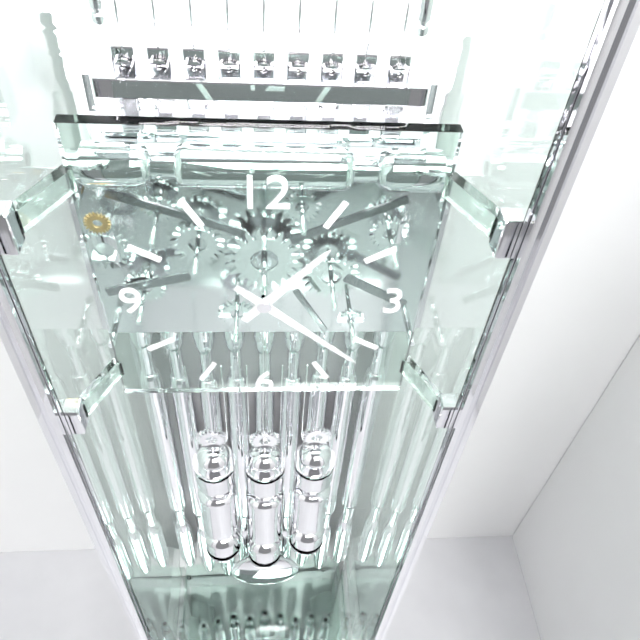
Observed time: **1:22**
